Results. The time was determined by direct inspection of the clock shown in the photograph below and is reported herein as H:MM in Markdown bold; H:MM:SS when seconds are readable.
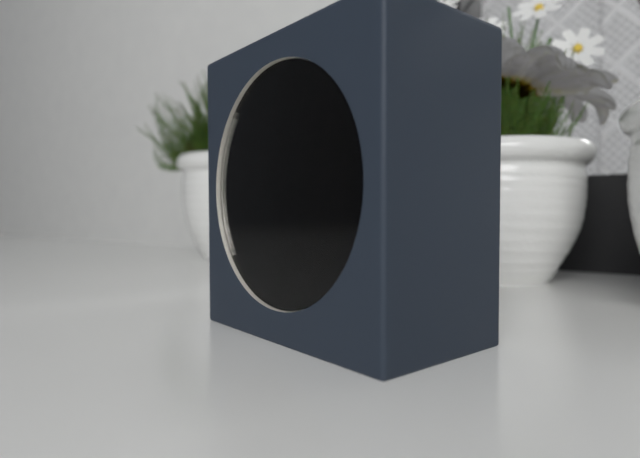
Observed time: **11:44:14**
